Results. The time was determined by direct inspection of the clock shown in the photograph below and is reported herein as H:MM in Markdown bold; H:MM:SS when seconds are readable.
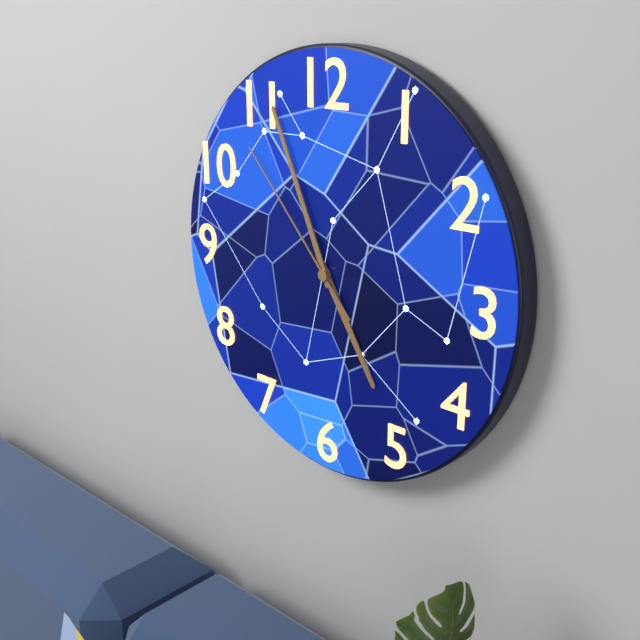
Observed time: **4:56:53**
